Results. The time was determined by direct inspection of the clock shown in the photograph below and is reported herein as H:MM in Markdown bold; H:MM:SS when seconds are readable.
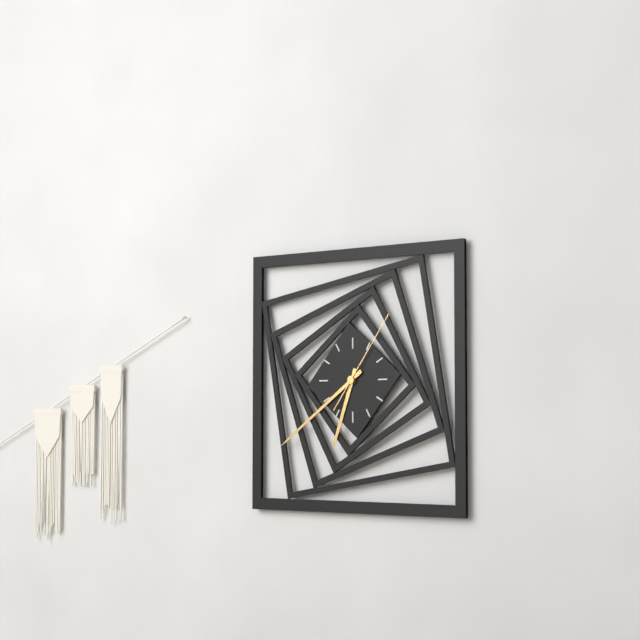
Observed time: **6:39:06**
